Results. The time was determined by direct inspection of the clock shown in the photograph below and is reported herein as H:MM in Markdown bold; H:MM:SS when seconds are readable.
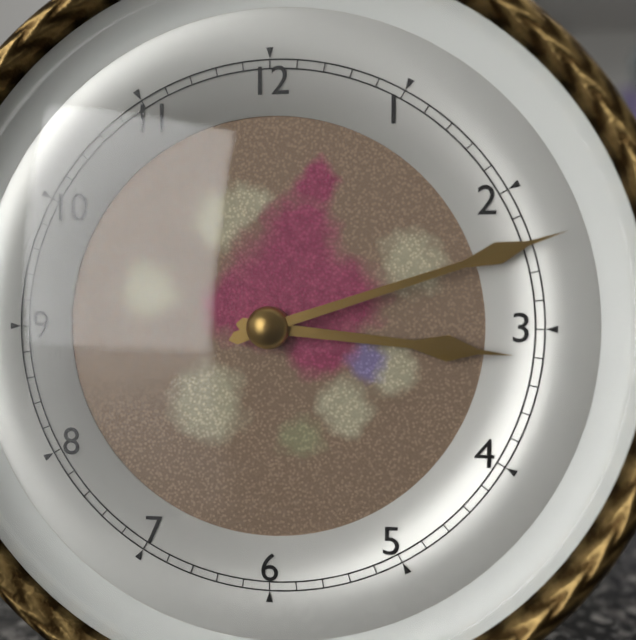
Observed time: **3:12**
